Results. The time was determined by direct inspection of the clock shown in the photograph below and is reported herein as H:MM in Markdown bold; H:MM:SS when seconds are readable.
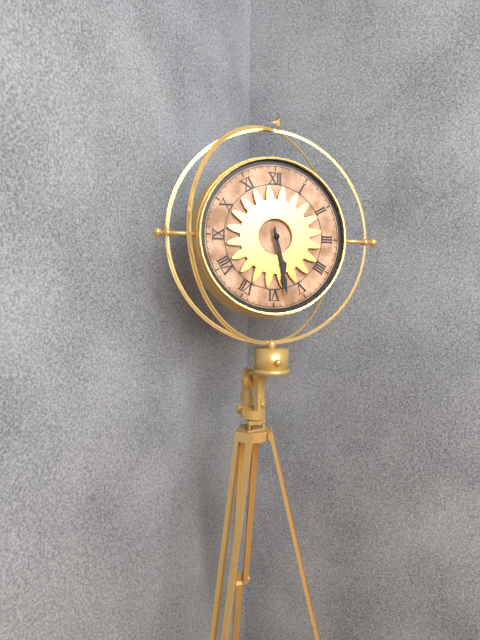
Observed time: **5:28**
